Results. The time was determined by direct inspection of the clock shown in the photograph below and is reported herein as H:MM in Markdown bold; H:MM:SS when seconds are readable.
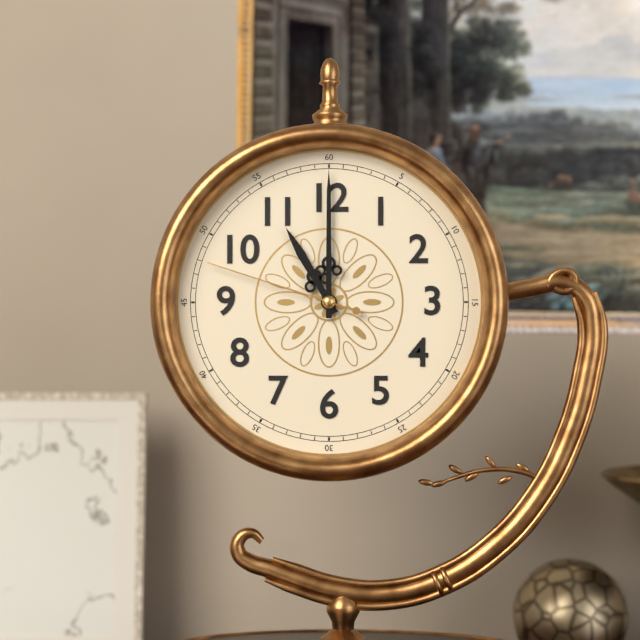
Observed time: **11:00:48**
